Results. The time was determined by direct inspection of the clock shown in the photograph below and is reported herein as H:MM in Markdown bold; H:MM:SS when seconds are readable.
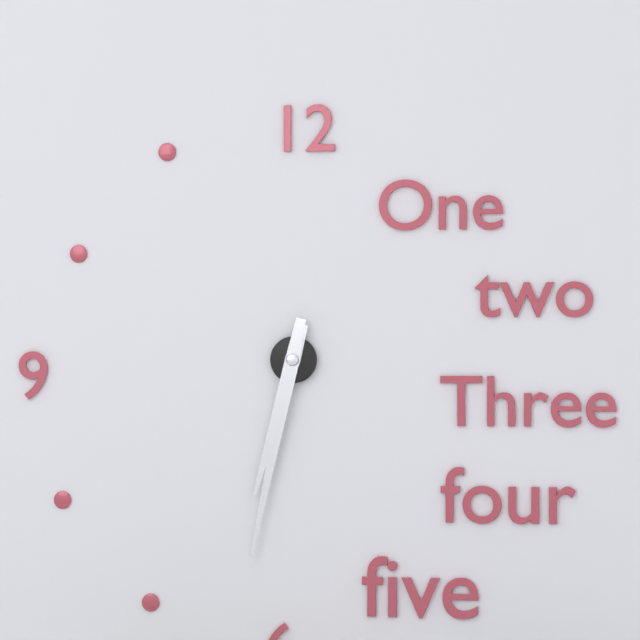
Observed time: **6:32**
